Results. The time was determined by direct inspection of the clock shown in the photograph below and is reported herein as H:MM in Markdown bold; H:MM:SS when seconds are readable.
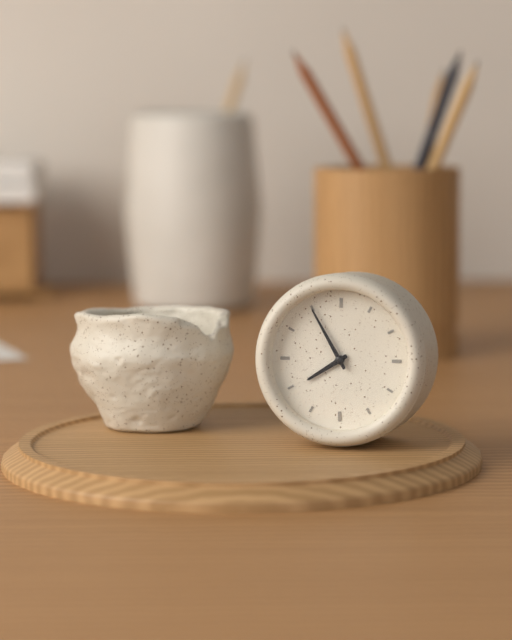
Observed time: **7:55**
